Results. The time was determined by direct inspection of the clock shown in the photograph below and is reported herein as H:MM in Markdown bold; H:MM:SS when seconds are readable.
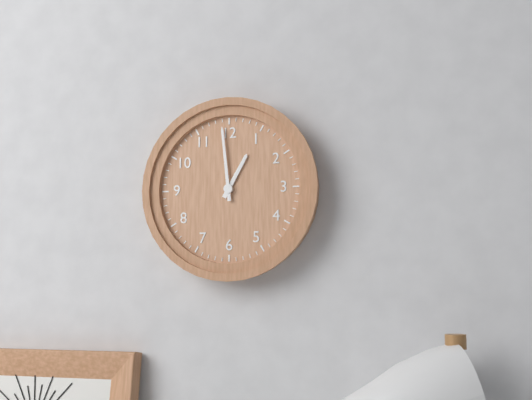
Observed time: **12:59**
